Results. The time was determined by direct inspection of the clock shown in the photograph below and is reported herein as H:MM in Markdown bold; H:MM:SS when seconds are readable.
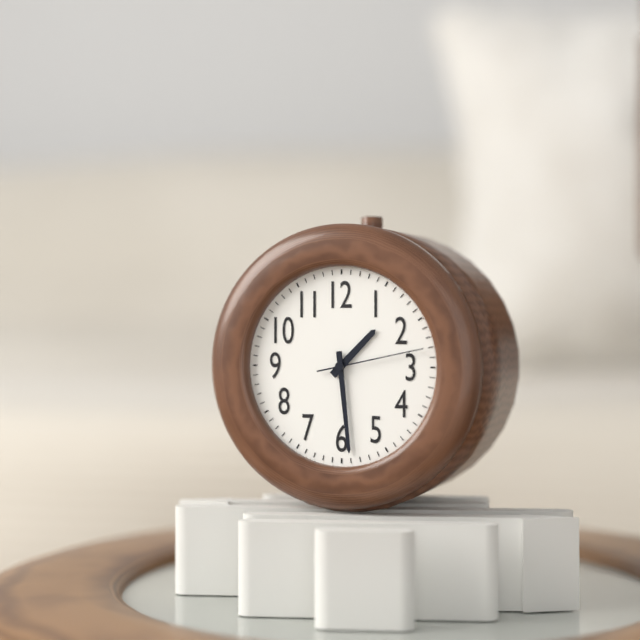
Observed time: **1:29:13**
